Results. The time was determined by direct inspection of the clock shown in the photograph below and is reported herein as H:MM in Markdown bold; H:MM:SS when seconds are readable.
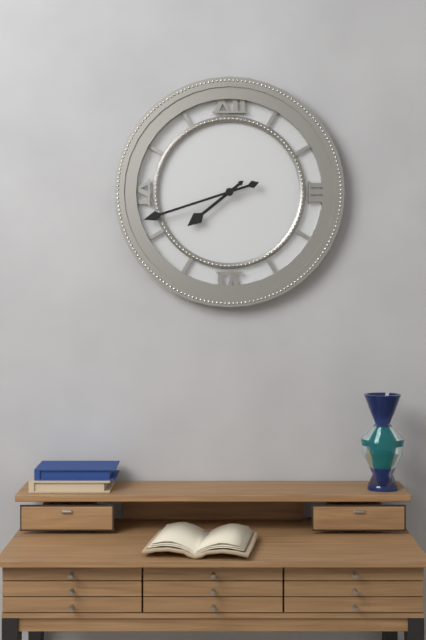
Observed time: **7:42**
